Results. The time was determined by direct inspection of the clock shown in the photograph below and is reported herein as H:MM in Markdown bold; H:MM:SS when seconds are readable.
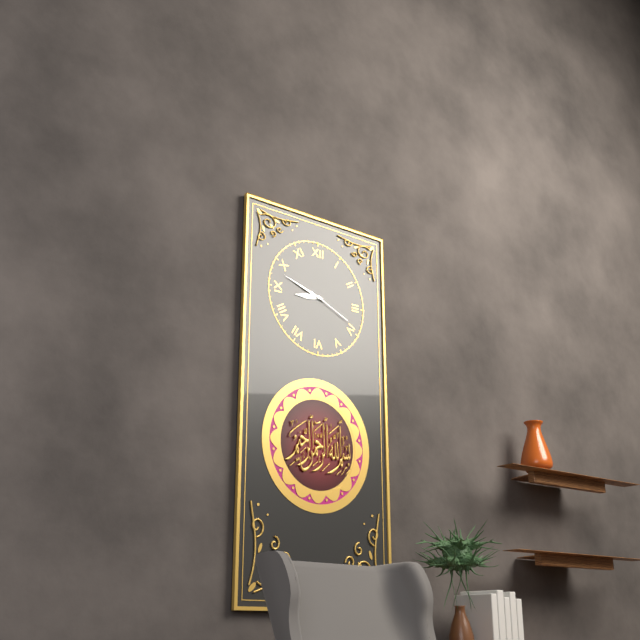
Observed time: **8:48**
